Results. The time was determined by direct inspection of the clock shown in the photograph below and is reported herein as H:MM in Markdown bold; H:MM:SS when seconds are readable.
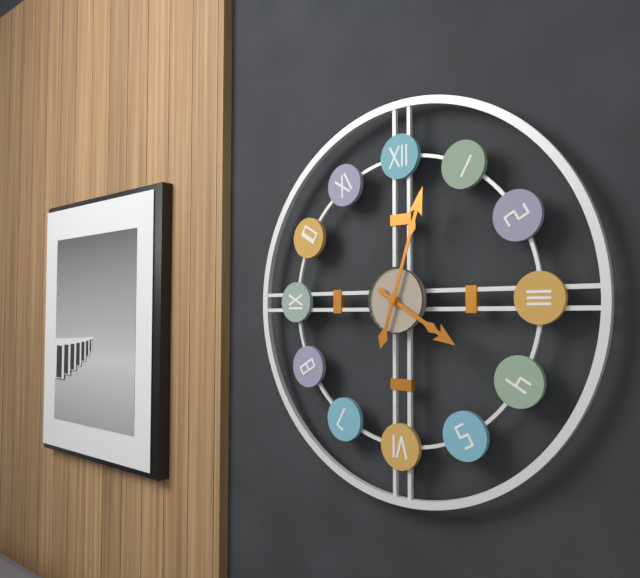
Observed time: **4:03**
